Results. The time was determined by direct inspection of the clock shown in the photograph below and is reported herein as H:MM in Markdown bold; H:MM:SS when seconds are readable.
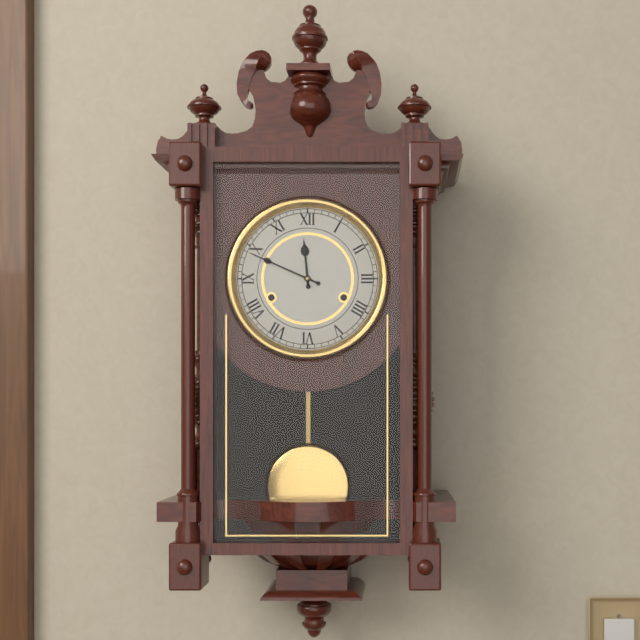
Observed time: **11:49**
